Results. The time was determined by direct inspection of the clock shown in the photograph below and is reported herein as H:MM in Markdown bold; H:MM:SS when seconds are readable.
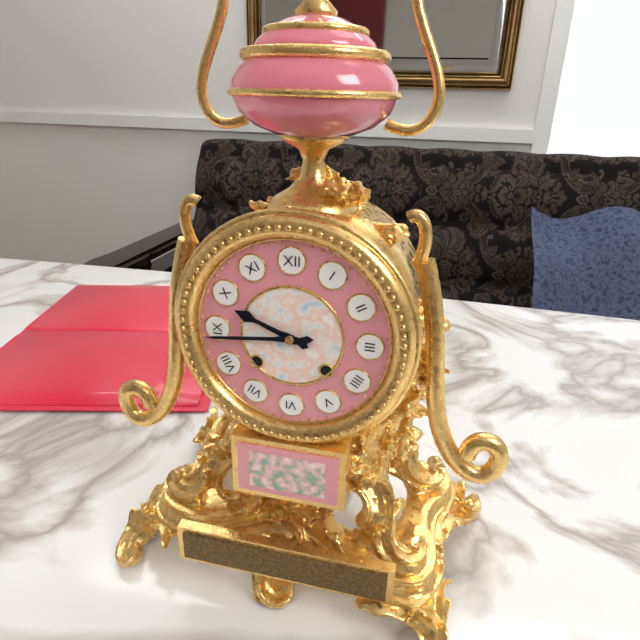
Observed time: **9:44**
